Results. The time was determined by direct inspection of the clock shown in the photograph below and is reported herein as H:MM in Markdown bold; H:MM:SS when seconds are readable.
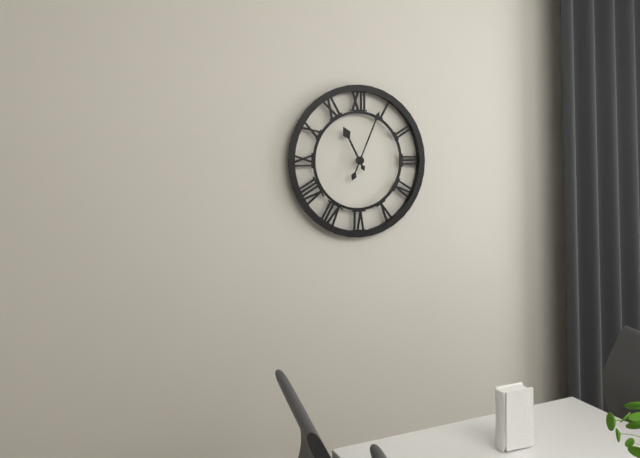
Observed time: **11:04**
